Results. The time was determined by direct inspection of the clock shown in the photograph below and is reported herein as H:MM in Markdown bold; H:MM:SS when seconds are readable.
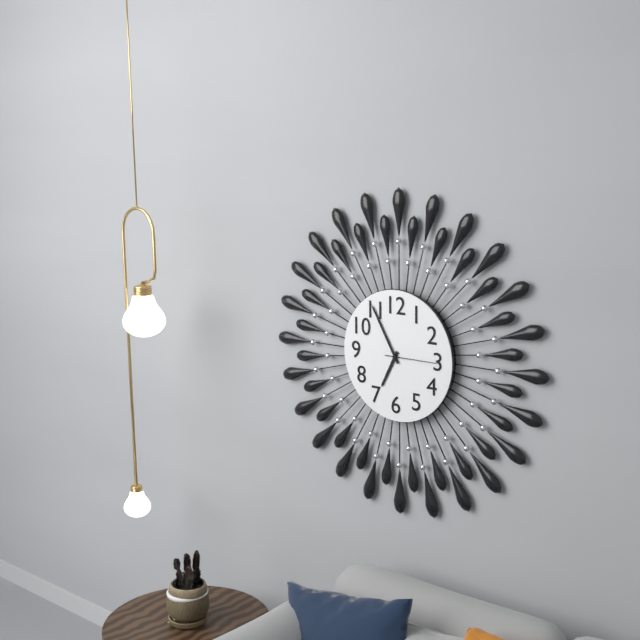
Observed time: **6:55**
